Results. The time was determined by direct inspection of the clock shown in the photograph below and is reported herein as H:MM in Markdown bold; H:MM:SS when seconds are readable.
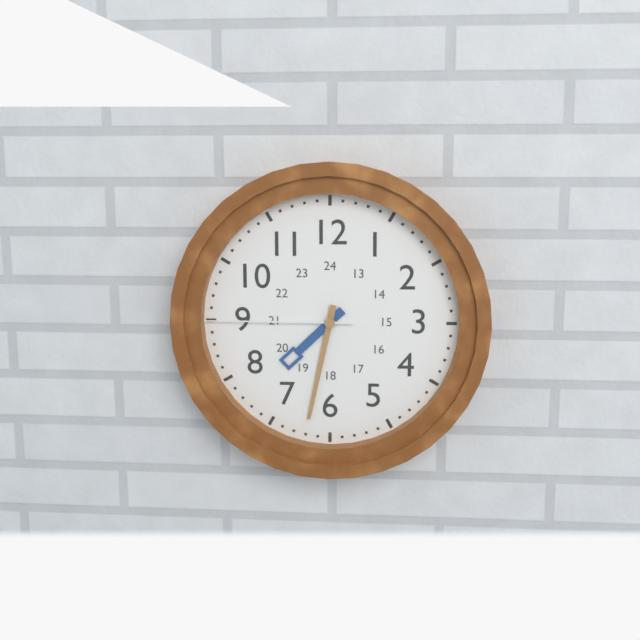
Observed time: **7:32:45**
